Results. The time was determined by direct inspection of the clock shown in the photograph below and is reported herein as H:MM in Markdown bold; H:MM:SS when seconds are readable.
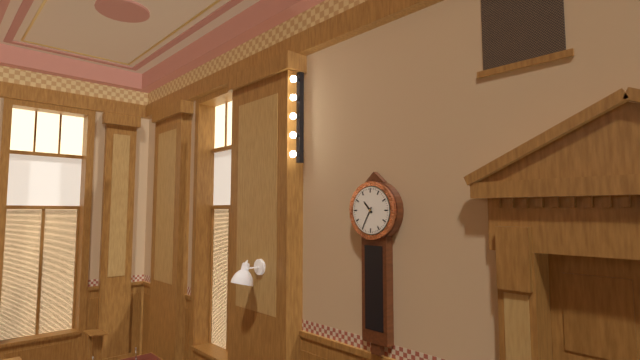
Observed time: **10:35**
